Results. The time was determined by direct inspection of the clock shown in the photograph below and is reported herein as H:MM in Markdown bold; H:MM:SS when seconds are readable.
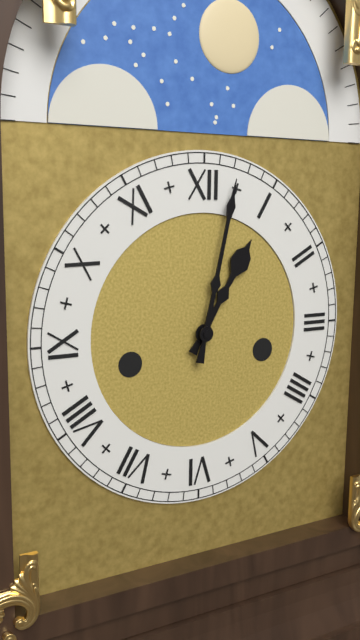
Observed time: **1:02**
